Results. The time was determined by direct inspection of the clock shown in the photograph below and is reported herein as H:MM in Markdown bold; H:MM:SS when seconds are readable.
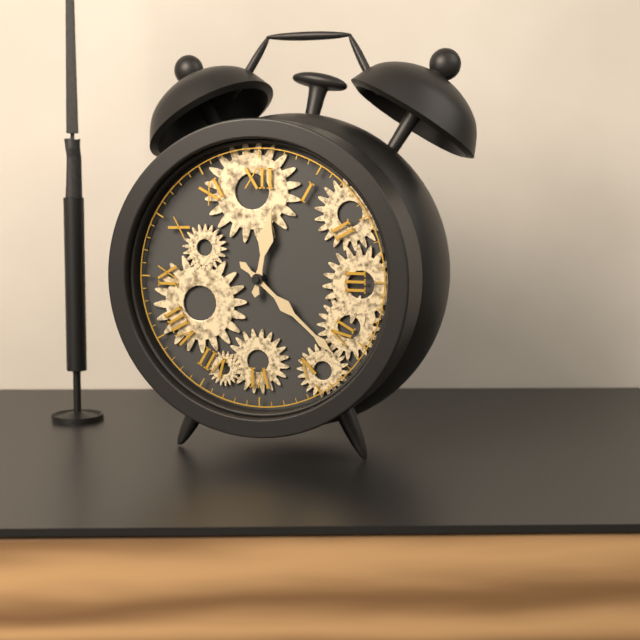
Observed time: **12:22**
